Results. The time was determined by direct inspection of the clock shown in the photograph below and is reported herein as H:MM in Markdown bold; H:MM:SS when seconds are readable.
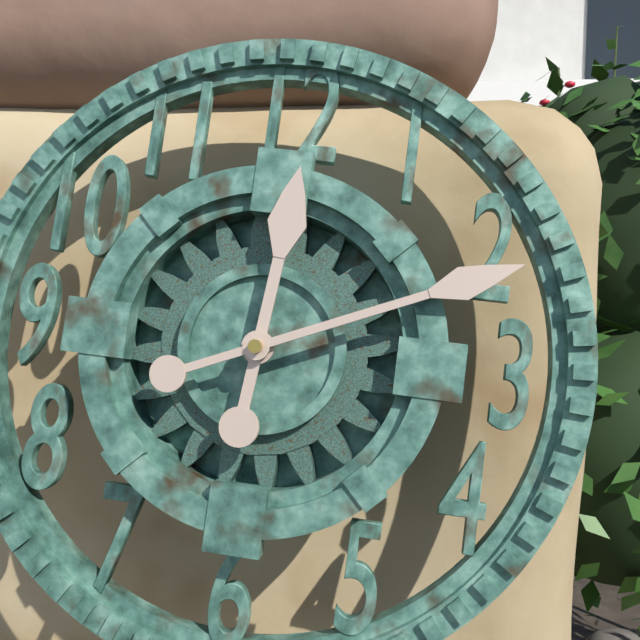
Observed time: **12:11**
